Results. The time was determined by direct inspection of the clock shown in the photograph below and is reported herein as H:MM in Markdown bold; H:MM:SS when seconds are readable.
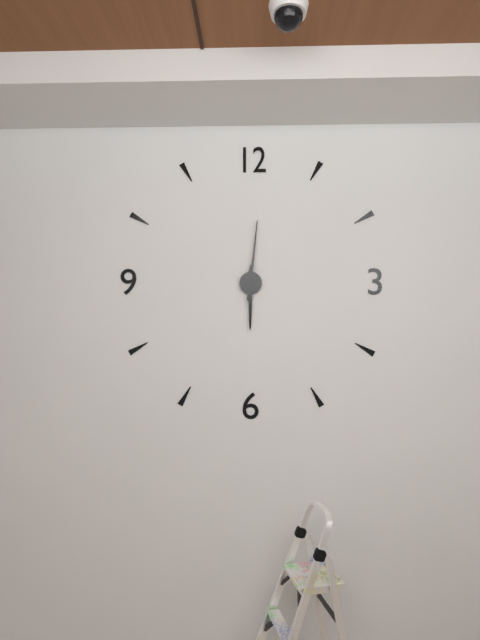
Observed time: **6:01**
